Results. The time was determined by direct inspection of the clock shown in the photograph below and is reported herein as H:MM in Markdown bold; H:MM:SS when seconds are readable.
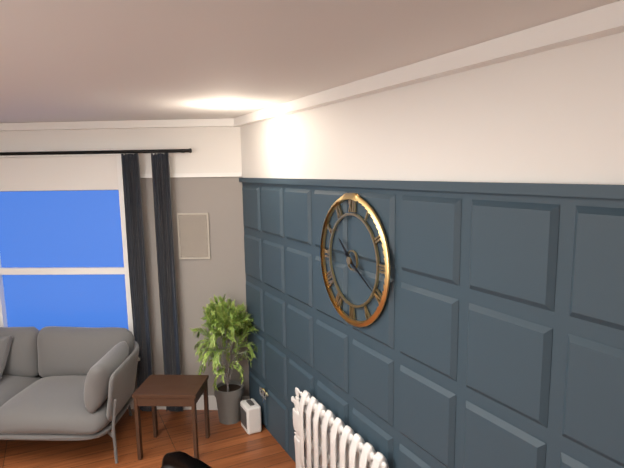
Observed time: **10:20**
